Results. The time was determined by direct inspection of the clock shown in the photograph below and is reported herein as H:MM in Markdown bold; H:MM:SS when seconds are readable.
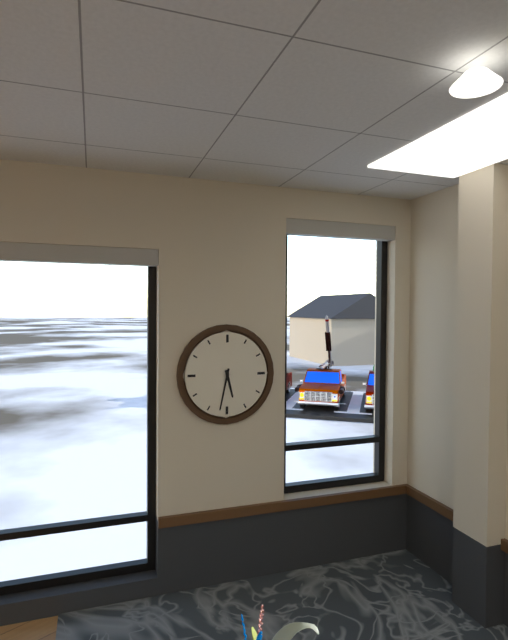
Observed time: **5:32**
